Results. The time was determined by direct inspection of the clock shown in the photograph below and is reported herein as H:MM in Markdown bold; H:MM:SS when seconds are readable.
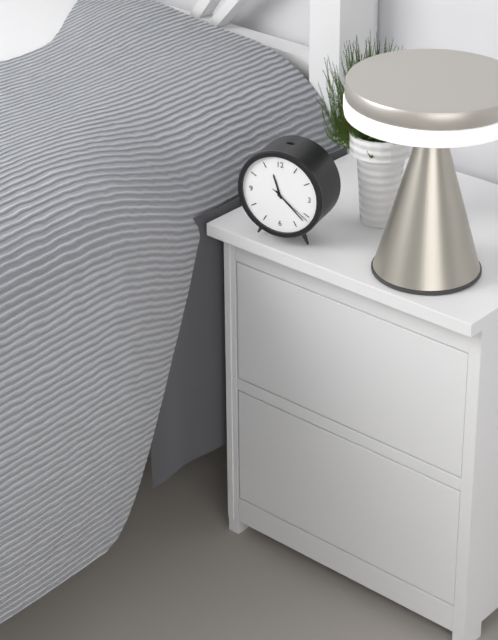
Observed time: **11:22**
